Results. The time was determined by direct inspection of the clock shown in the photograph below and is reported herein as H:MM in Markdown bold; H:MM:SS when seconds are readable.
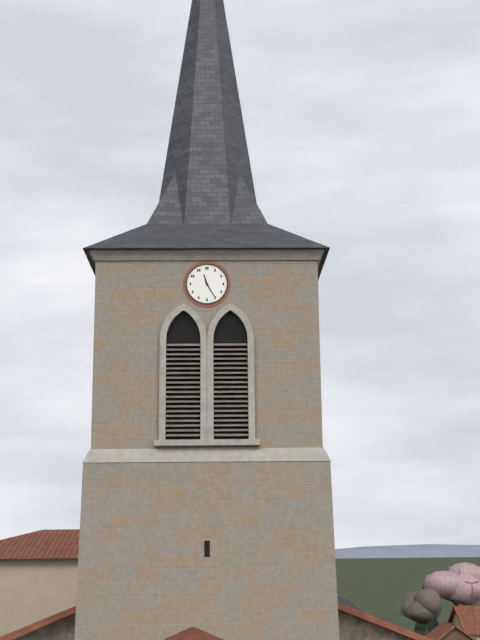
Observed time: **11:25**
